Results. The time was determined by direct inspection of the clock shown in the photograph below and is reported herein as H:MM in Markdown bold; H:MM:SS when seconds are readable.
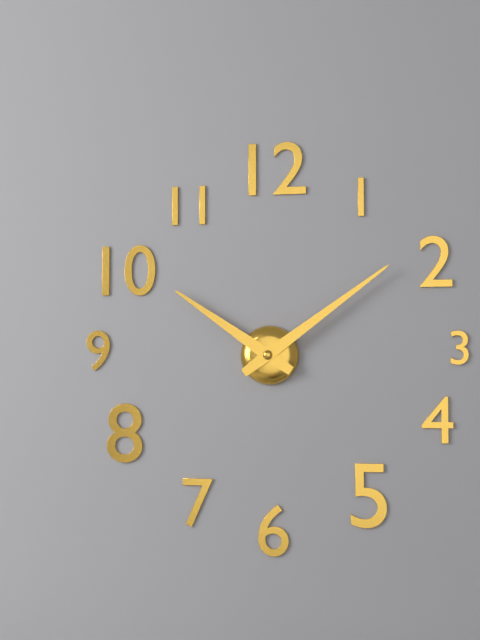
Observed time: **10:09**
